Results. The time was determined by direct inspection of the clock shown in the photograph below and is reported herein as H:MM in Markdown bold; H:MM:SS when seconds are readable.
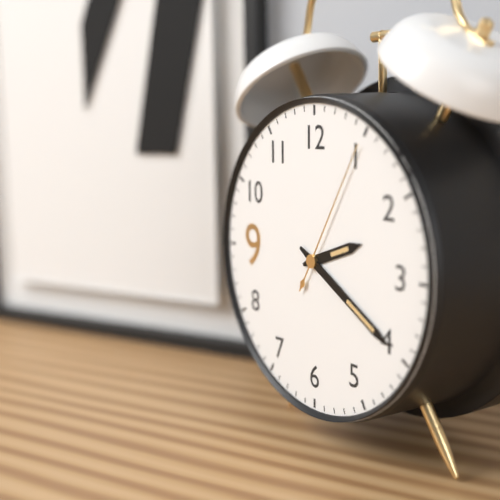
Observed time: **2:20:05**
